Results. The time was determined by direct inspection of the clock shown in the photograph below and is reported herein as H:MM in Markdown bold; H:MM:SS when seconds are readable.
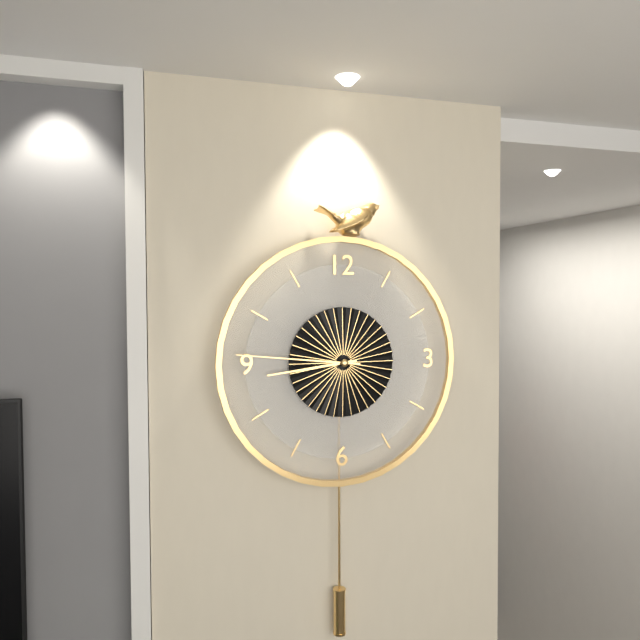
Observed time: **8:46**
